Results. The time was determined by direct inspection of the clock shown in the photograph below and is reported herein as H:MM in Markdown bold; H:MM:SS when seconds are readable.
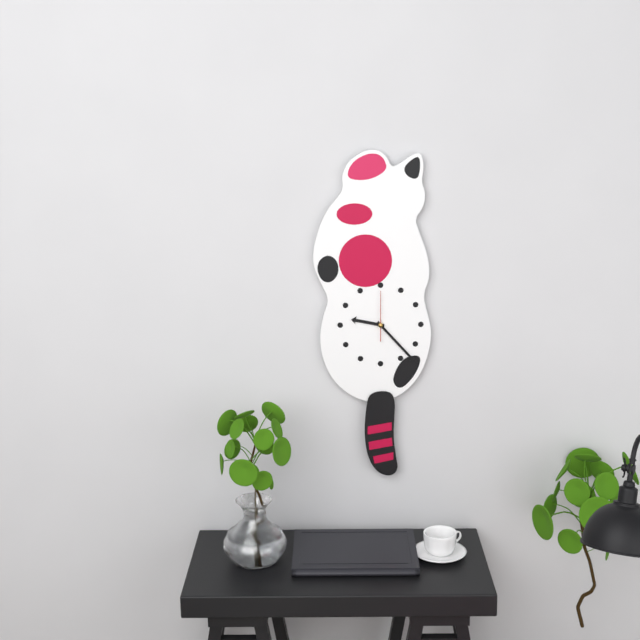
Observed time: **9:23**
